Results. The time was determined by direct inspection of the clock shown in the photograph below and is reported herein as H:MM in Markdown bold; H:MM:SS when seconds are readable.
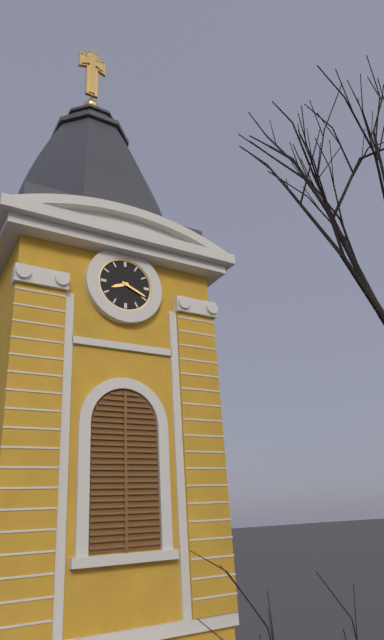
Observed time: **8:19**
